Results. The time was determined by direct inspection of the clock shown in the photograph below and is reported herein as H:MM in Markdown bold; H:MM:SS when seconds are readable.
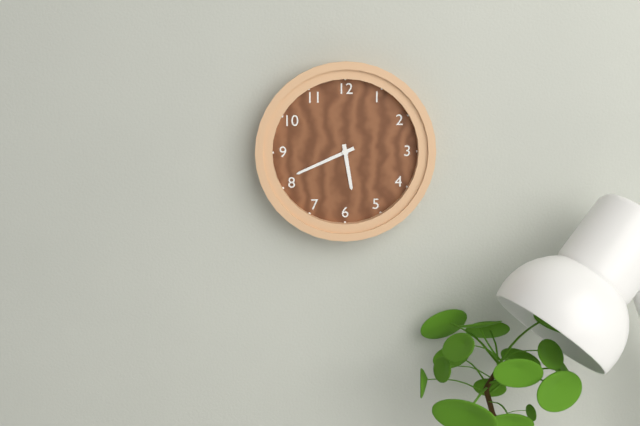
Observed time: **5:41**
